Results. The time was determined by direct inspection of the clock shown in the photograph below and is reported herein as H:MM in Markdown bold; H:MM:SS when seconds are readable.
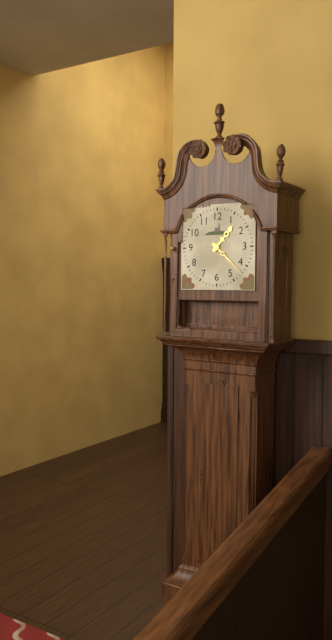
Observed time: **1:22**
